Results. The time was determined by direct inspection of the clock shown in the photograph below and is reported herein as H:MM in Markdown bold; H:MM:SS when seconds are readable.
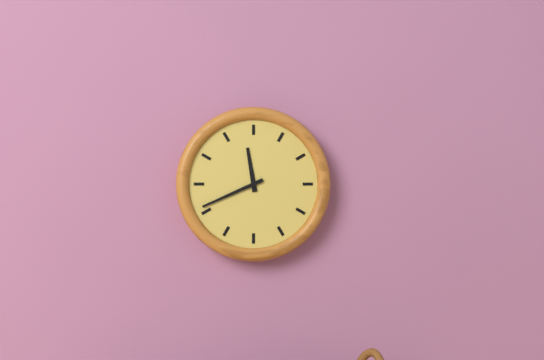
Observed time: **11:41**
